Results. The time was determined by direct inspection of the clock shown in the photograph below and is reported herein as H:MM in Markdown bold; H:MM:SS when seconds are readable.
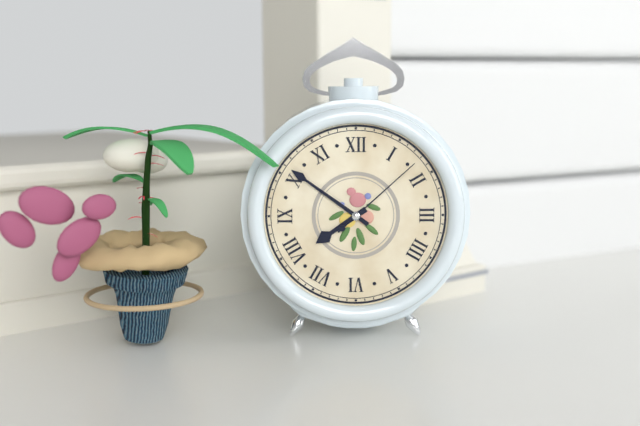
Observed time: **7:51:08**
